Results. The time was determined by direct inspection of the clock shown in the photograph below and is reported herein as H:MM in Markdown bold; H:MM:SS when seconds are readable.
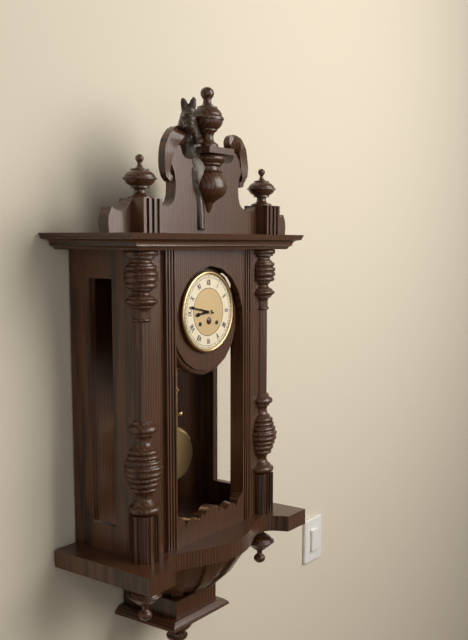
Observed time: **8:47**
